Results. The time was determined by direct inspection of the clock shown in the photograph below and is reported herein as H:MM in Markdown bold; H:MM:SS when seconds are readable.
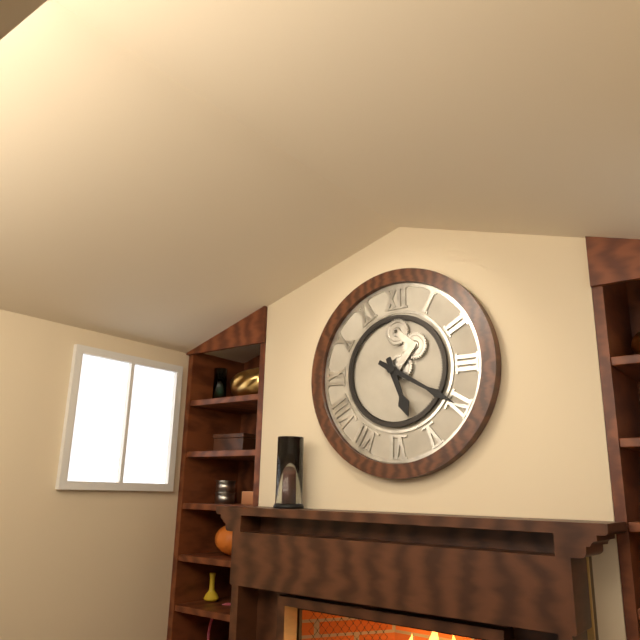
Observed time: **5:20**
